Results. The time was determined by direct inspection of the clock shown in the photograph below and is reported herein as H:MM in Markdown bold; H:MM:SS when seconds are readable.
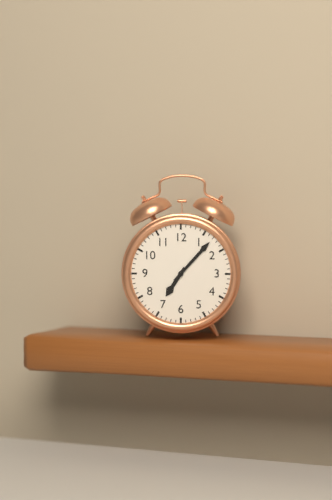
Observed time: **7:07**
